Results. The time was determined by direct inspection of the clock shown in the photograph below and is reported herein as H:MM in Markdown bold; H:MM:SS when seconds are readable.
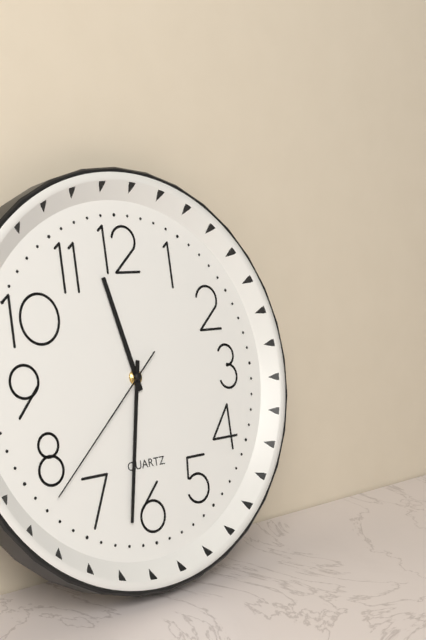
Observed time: **11:32:38**
